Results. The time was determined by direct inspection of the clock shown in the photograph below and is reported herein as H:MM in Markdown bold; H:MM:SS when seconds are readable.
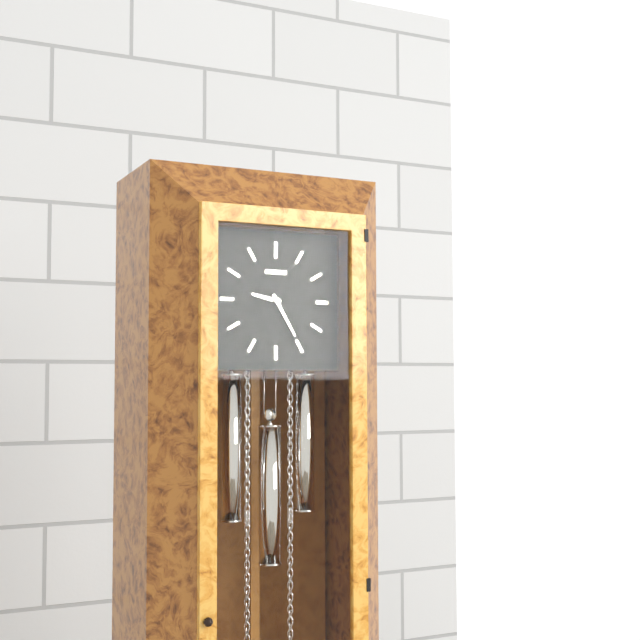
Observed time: **9:25**
